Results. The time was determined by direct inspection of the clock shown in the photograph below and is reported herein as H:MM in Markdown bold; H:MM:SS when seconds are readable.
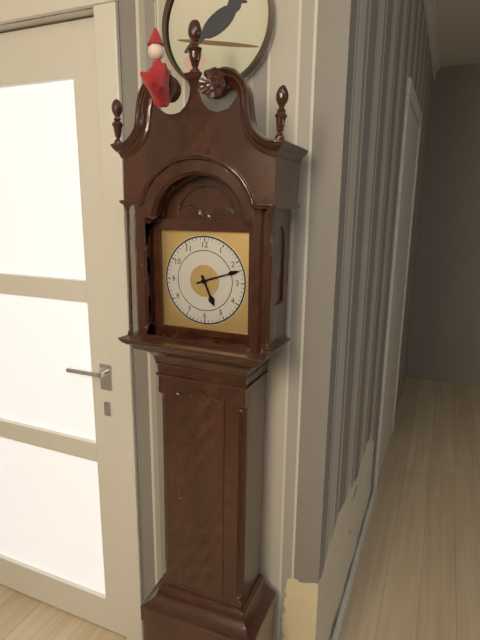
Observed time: **5:12**
